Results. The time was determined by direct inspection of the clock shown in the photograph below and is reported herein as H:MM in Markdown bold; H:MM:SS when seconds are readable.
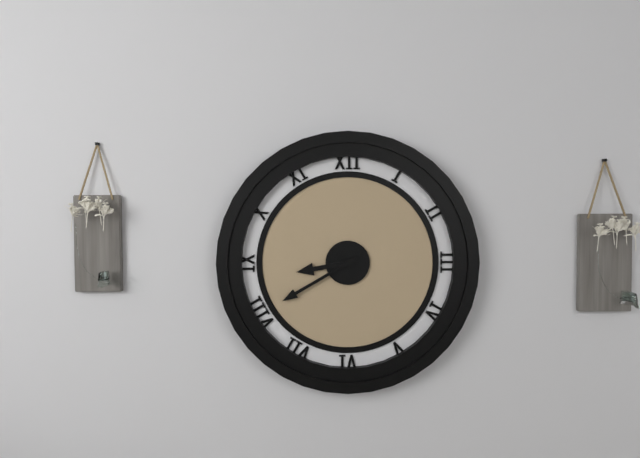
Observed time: **8:40**
